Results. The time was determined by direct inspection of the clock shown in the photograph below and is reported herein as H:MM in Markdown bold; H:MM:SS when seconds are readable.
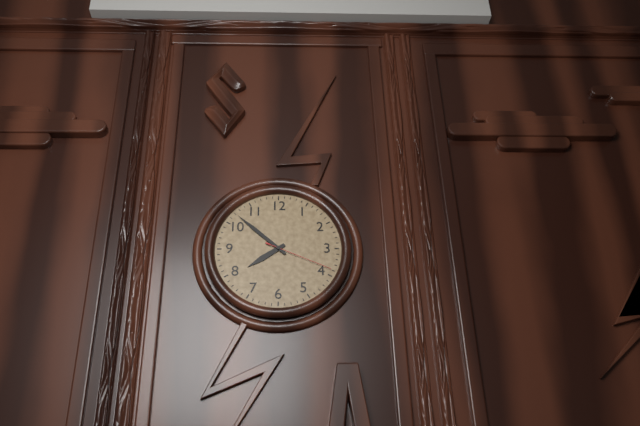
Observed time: **7:52:19**
